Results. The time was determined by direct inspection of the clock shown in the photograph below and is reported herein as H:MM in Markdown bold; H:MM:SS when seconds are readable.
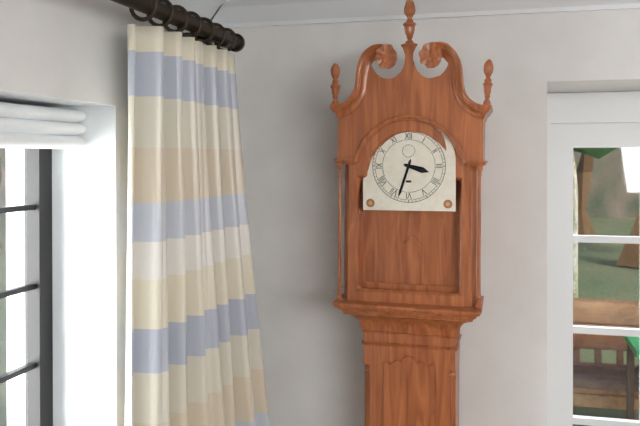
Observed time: **3:33**
